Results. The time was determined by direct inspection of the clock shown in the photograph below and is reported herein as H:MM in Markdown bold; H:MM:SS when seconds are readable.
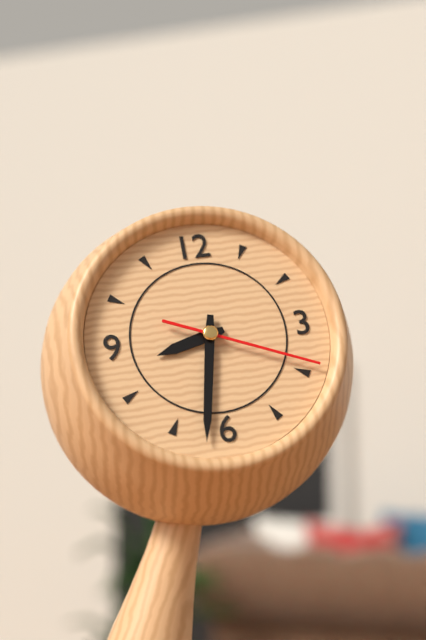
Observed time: **8:32:19**
